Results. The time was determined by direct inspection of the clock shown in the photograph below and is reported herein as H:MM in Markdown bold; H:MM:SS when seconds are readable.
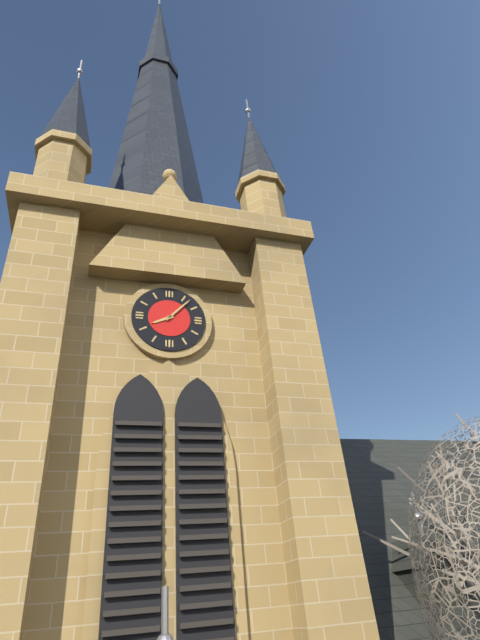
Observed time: **8:07**
